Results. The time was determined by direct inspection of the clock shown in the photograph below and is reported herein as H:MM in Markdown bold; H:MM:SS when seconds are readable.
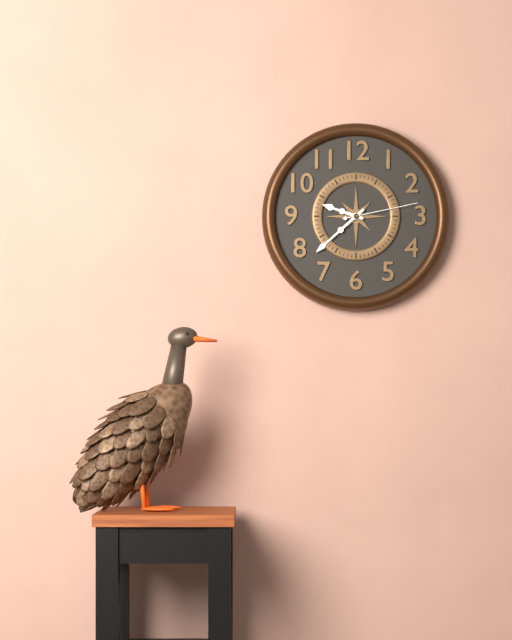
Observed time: **9:38:13**
